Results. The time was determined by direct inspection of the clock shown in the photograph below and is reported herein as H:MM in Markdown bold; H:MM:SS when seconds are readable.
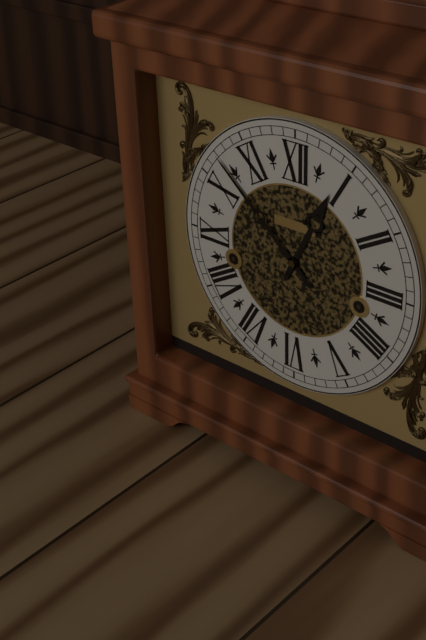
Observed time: **12:52**
